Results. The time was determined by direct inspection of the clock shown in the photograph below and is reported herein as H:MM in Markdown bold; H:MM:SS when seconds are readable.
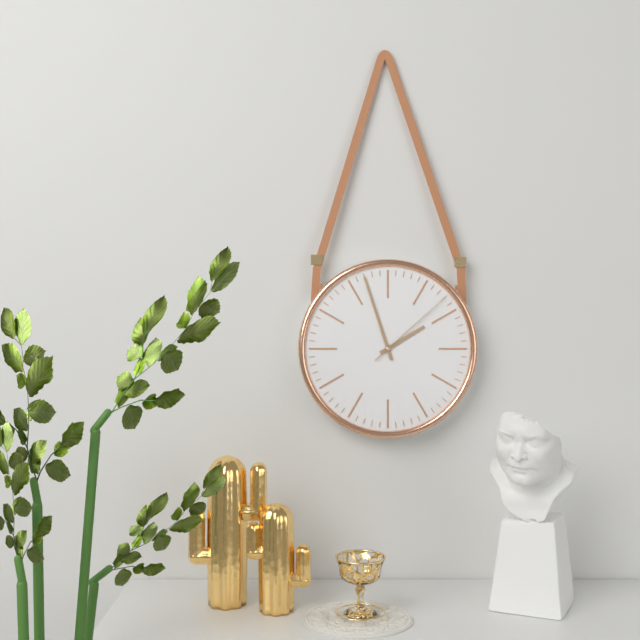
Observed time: **1:57:08**
